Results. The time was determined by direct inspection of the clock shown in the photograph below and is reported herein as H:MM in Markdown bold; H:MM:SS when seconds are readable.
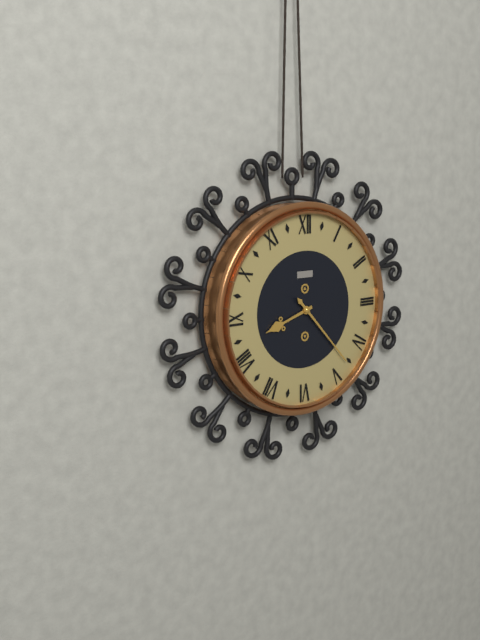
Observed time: **8:23**
